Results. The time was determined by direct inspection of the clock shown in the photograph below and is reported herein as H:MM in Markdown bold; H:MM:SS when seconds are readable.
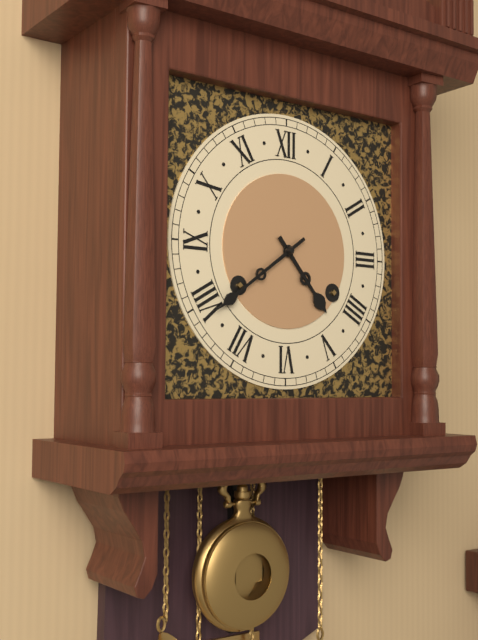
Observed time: **4:39**
